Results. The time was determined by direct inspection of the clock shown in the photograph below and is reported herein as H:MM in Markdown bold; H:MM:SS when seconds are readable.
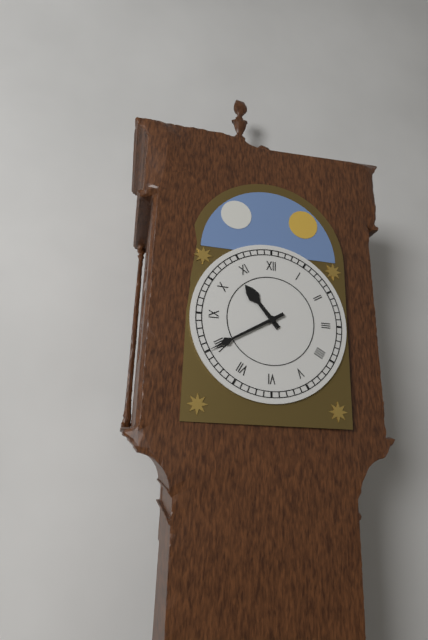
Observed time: **10:40**
